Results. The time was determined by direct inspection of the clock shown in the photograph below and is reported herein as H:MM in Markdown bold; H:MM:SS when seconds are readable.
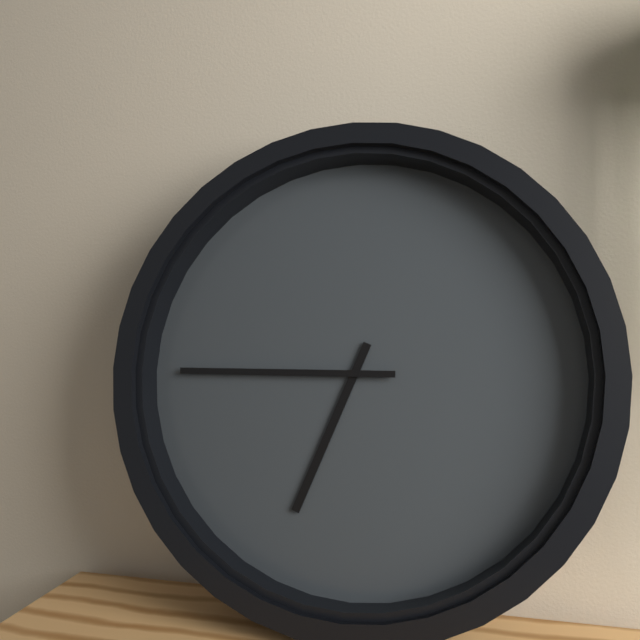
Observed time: **6:45**
